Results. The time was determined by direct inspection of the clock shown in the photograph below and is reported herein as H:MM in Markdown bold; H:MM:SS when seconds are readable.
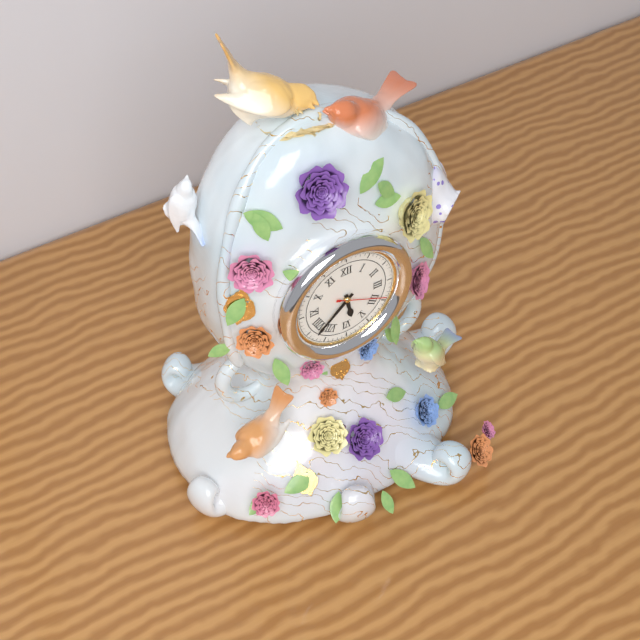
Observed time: **5:38**
